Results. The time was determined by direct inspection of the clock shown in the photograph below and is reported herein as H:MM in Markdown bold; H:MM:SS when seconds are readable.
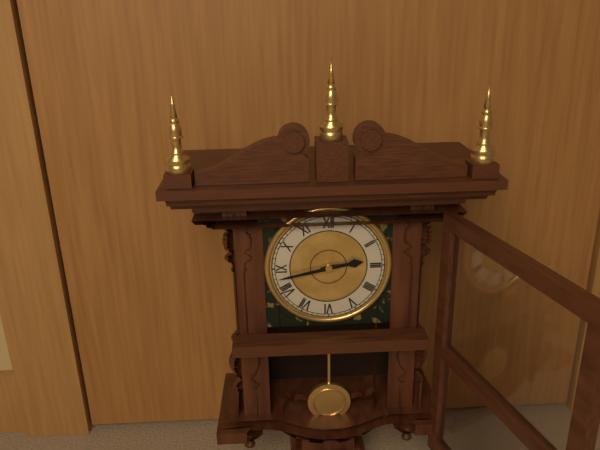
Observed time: **2:43**
